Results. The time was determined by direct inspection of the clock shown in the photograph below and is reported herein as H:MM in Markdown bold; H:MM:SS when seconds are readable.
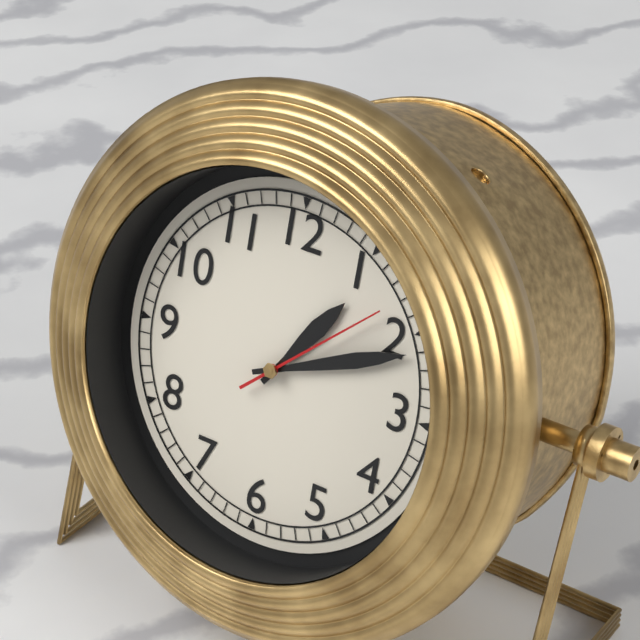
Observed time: **1:11:08**
